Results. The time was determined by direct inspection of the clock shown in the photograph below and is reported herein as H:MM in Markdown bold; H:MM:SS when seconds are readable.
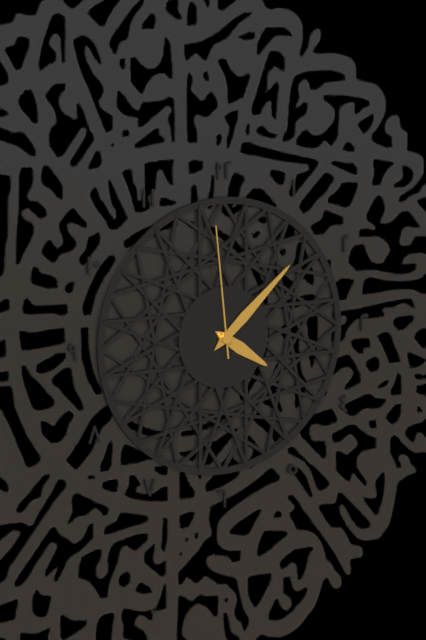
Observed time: **4:08:59**
